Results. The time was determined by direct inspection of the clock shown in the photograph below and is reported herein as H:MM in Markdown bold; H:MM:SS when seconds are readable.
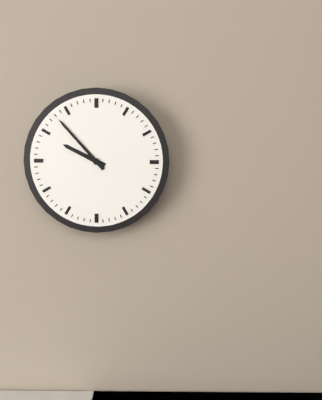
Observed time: **9:53**
